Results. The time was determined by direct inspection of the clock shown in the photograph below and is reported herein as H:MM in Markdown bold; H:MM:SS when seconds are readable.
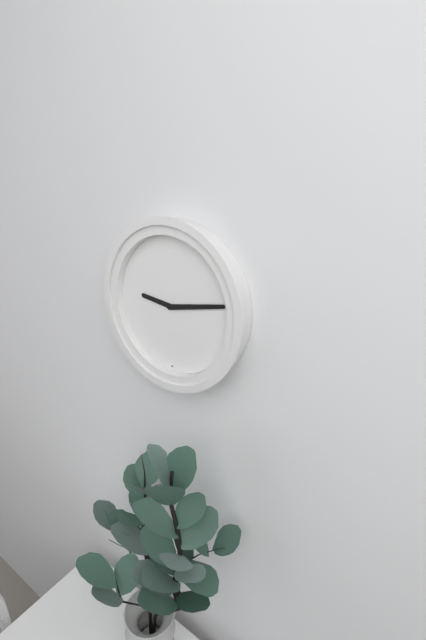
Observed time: **9:13**
